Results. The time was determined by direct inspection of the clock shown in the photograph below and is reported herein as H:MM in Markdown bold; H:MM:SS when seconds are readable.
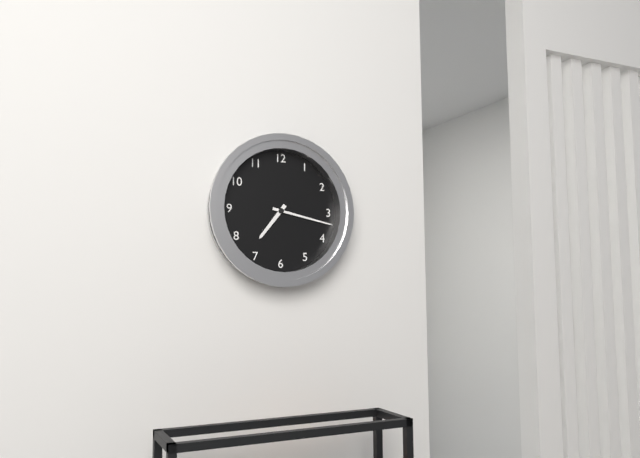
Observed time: **7:17**
